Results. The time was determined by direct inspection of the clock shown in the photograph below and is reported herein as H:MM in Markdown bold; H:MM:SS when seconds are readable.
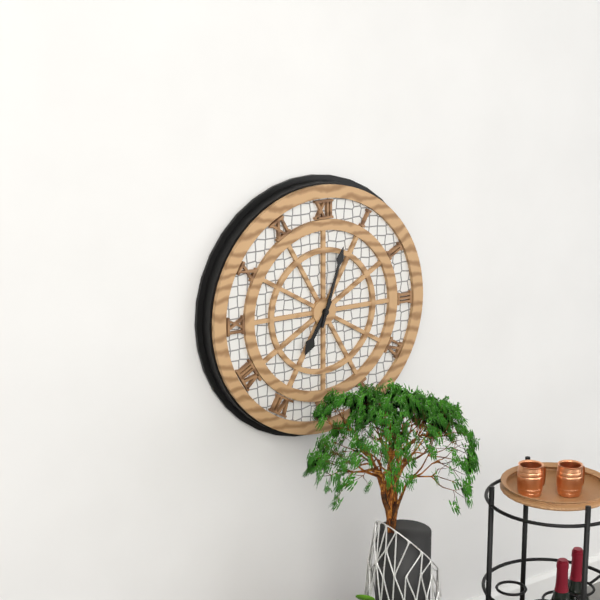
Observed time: **7:03**
